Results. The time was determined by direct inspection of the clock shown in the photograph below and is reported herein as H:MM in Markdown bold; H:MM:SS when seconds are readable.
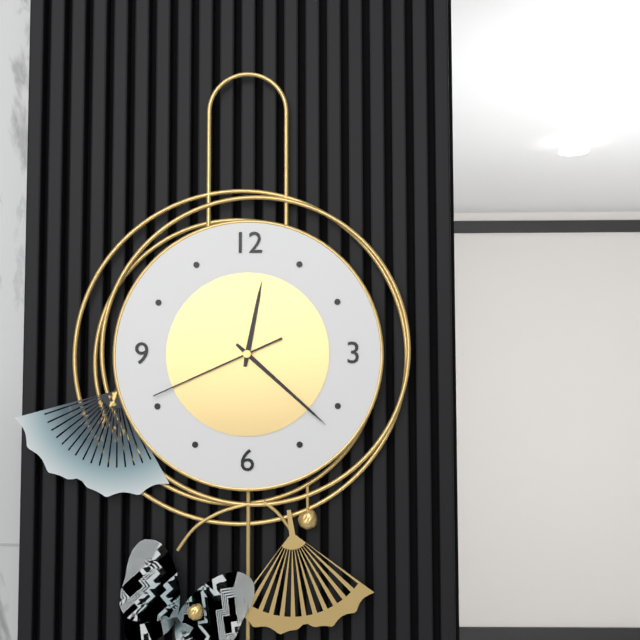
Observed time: **12:22:41**
